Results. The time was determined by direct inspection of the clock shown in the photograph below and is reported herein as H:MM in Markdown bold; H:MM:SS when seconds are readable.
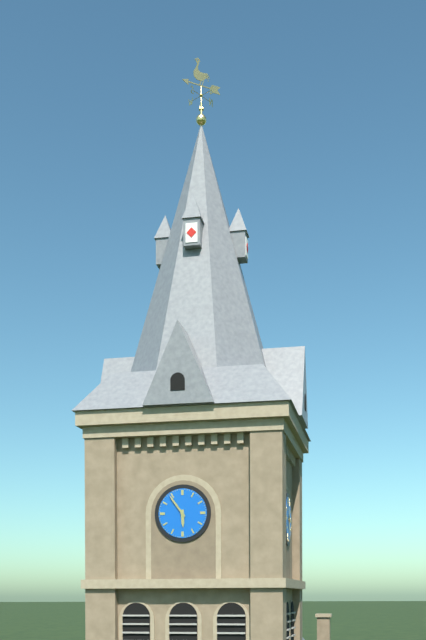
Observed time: **5:54**
